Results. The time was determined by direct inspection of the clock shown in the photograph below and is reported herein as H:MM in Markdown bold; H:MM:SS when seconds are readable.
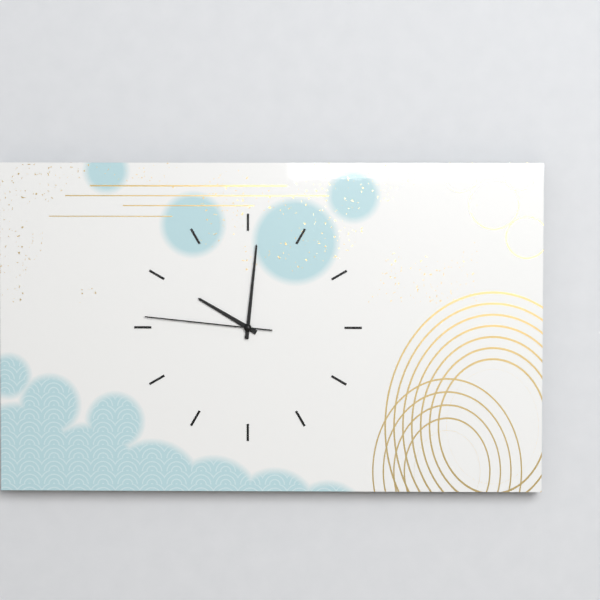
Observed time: **10:01:46**
